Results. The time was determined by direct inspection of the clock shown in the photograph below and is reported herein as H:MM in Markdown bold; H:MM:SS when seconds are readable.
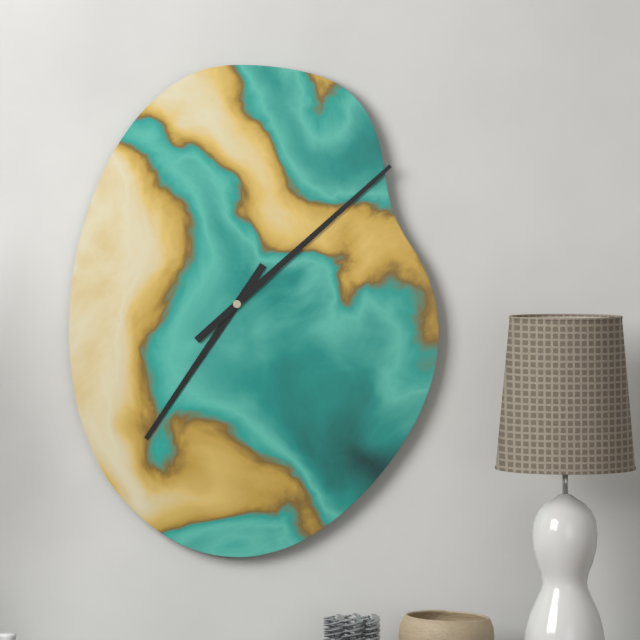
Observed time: **7:08**
